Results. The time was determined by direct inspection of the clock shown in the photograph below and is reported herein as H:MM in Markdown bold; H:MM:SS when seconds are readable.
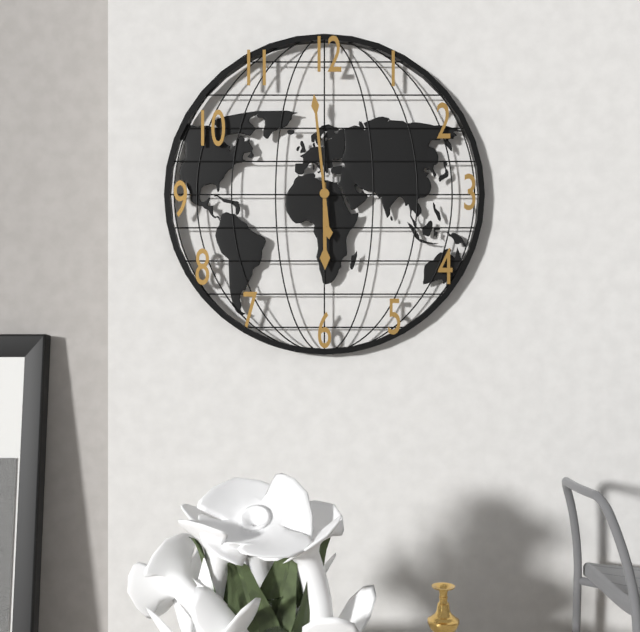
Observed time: **5:59**
